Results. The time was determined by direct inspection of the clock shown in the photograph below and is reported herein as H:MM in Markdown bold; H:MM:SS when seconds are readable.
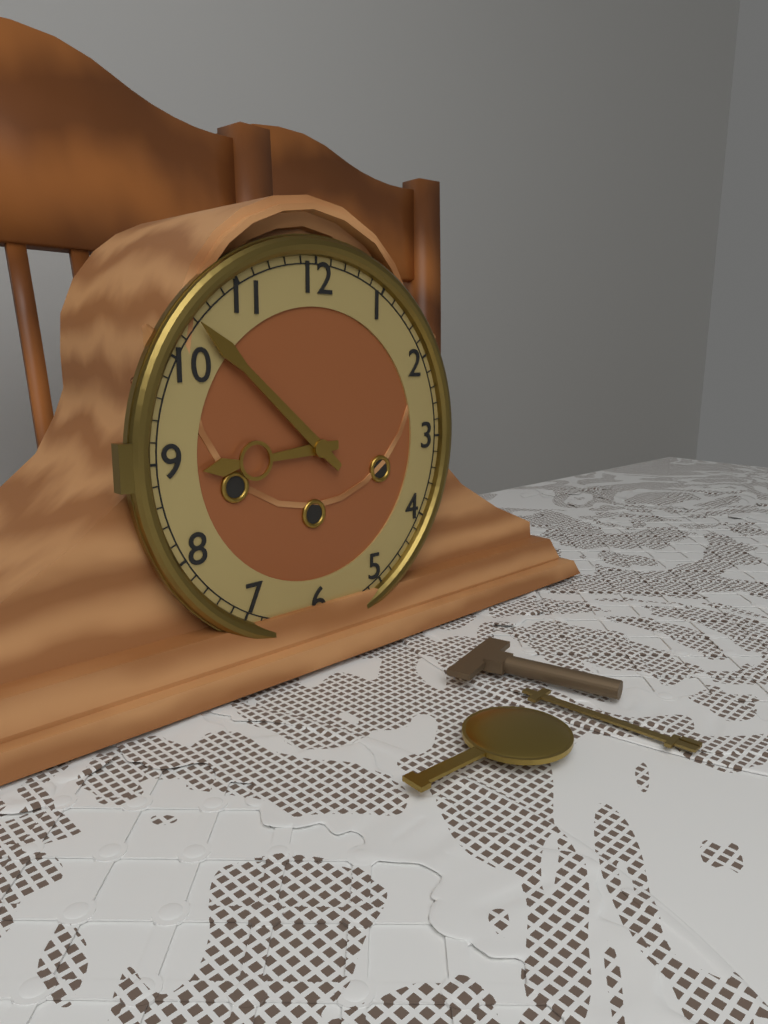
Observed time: **8:52**
